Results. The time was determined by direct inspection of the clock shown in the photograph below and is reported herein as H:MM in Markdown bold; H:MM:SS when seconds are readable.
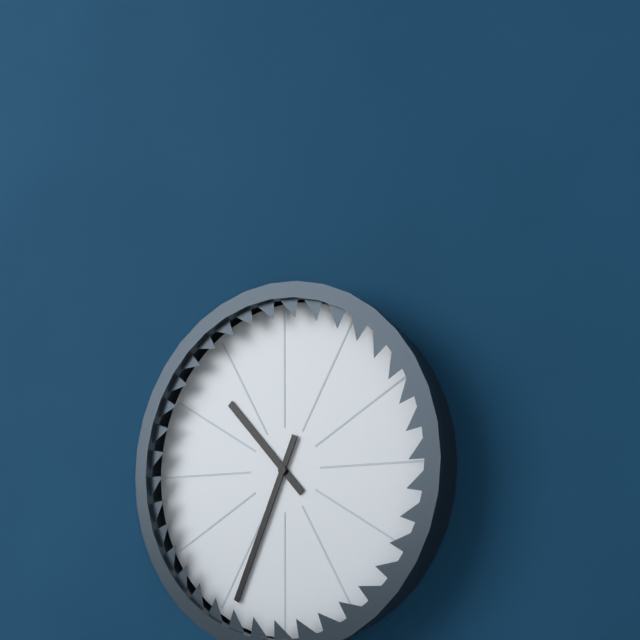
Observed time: **10:34**
